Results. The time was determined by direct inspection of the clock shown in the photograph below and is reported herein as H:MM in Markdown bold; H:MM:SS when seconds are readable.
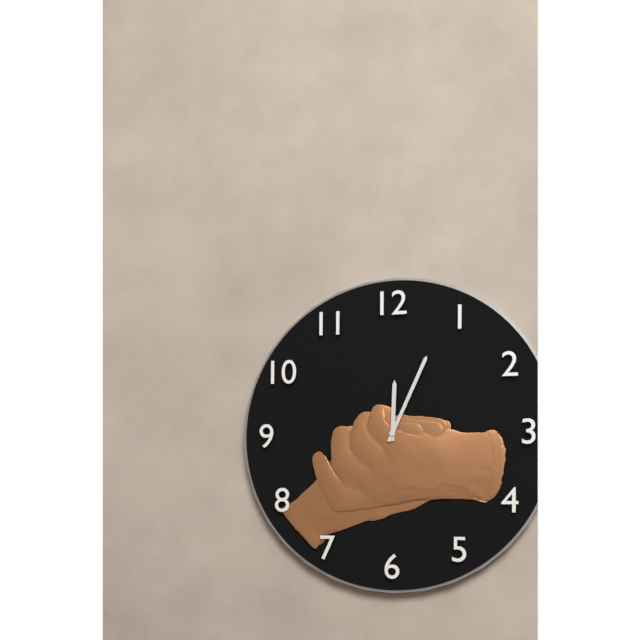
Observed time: **12:04**
